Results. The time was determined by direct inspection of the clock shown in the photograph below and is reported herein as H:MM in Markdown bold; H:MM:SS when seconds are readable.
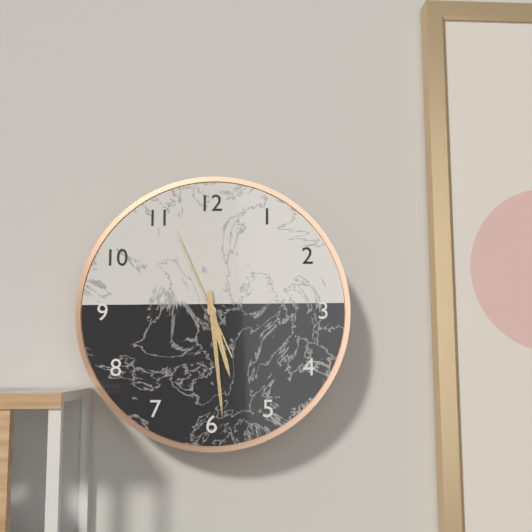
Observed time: **5:29:56**
